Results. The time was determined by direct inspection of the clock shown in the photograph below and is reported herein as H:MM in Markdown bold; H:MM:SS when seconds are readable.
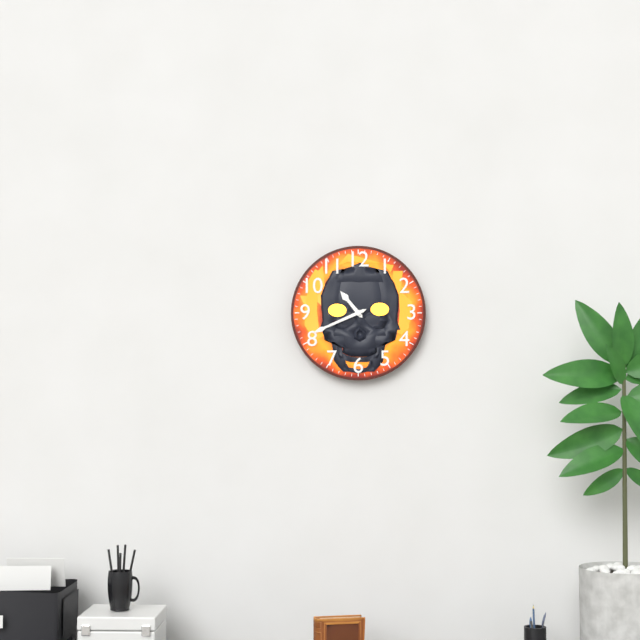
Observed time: **10:41**
